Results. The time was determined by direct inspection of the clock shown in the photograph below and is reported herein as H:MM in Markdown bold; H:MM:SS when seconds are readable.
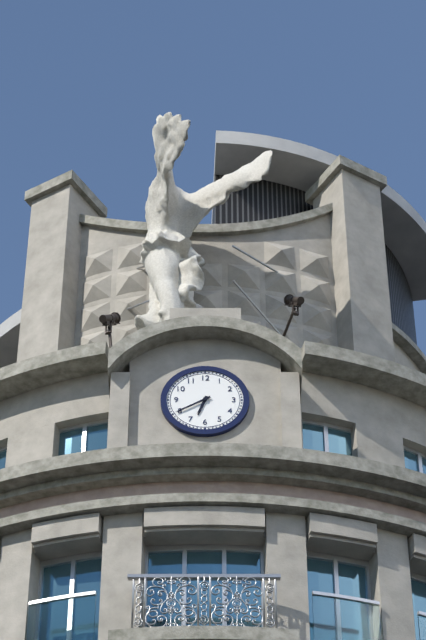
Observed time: **6:40**
